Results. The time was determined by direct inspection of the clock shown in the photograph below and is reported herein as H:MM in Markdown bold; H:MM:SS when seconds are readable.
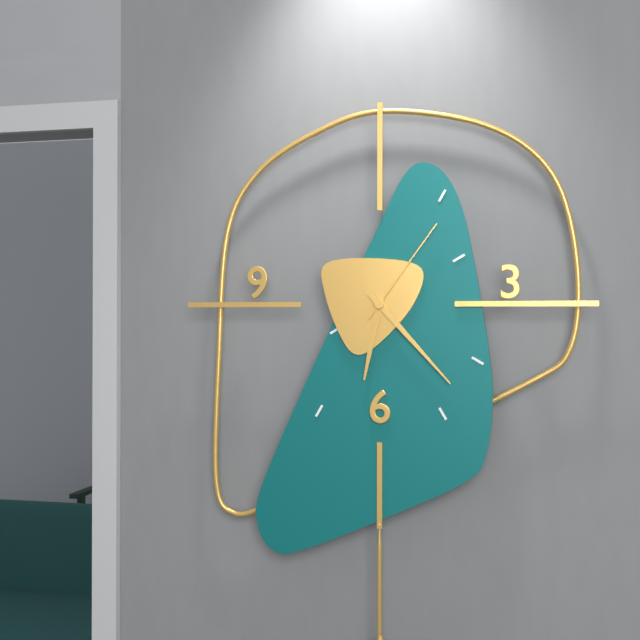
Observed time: **6:23:06**
